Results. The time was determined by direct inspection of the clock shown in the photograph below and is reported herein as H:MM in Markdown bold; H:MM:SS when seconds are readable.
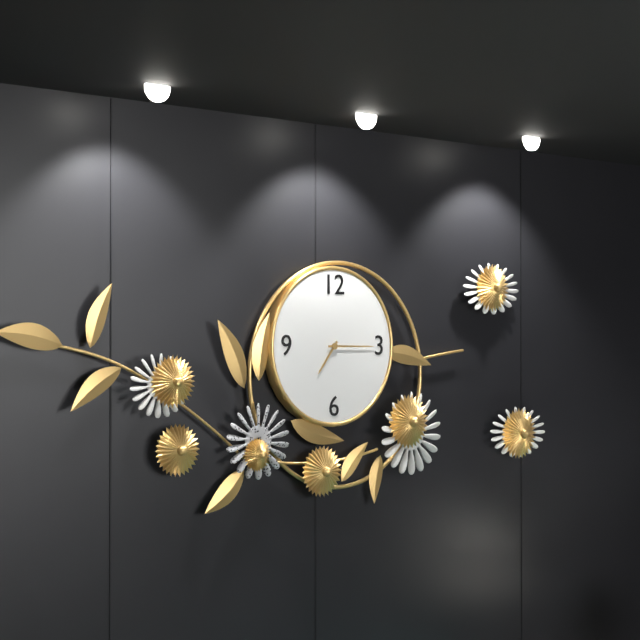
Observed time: **7:15**
